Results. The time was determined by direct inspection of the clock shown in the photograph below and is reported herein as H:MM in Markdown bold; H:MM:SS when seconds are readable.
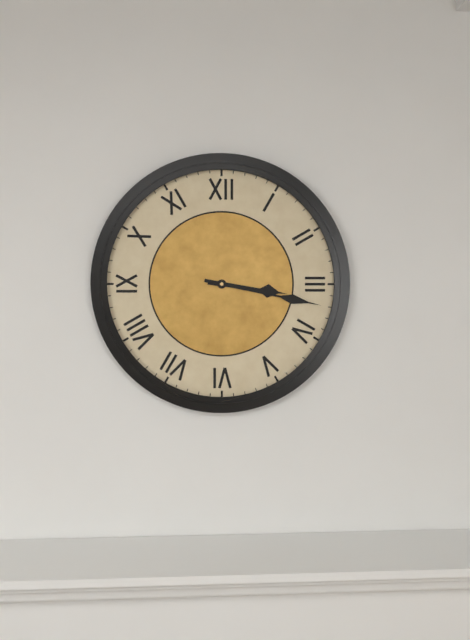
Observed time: **3:17**
